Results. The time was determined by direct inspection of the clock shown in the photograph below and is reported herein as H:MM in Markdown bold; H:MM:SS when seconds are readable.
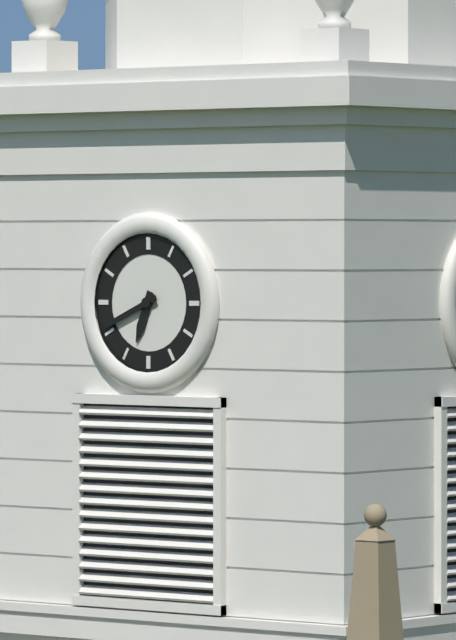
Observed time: **6:41**
